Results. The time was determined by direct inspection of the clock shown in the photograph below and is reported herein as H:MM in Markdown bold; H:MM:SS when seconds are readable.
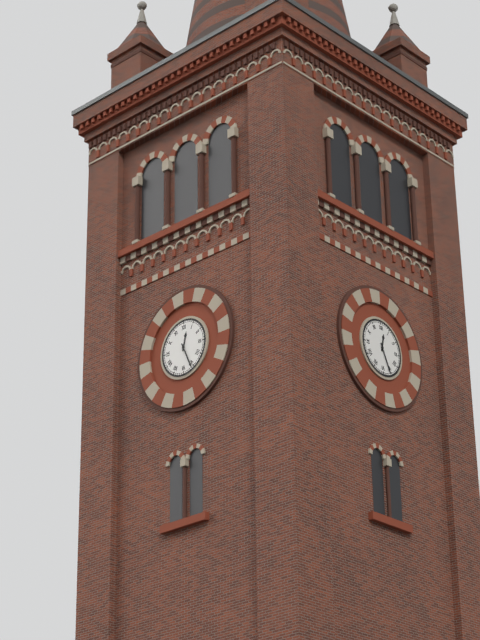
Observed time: **12:26**
